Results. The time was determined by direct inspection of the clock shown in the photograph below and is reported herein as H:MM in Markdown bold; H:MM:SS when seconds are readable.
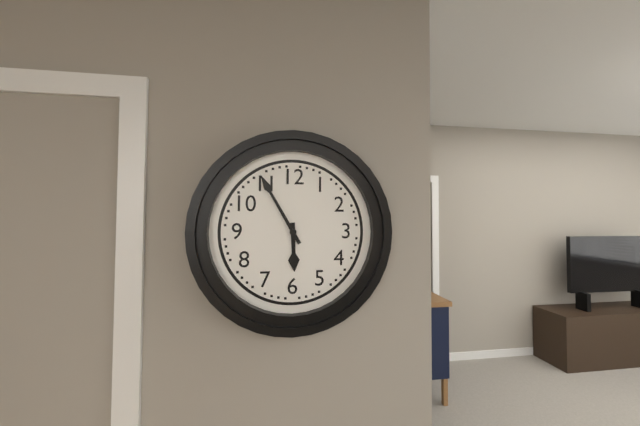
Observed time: **5:55**
